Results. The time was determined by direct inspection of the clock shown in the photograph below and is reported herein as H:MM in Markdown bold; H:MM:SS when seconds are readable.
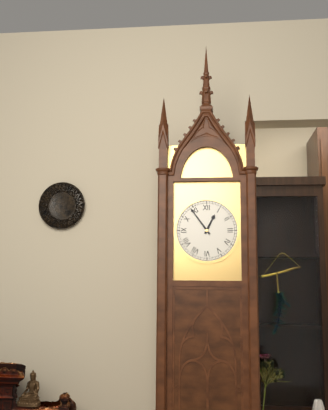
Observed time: **12:54**
